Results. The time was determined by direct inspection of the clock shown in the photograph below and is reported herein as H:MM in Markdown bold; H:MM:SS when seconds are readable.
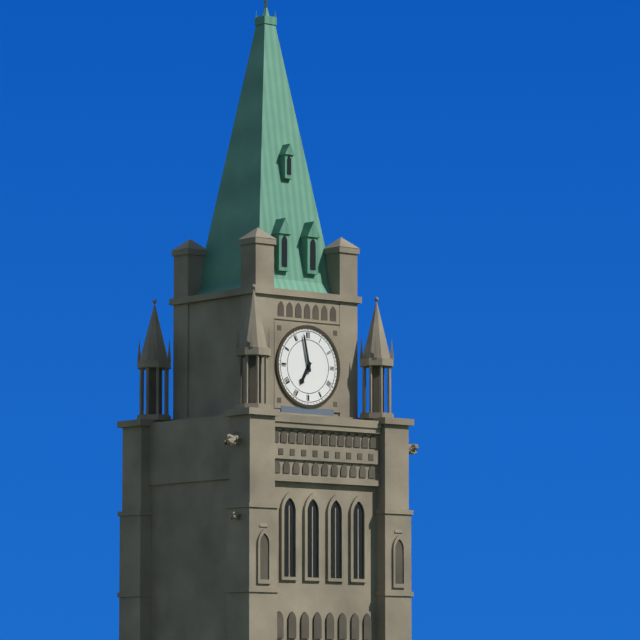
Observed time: **6:58**
